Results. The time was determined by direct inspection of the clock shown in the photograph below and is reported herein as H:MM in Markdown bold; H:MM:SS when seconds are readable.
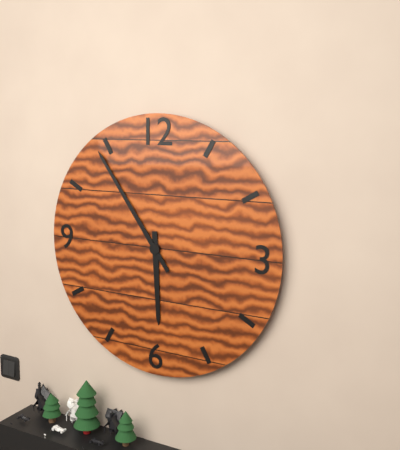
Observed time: **5:54**
